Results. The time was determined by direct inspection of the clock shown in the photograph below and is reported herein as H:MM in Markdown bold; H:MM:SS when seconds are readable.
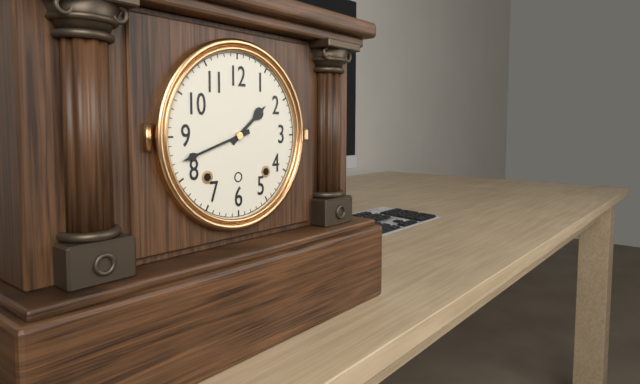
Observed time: **1:42**
